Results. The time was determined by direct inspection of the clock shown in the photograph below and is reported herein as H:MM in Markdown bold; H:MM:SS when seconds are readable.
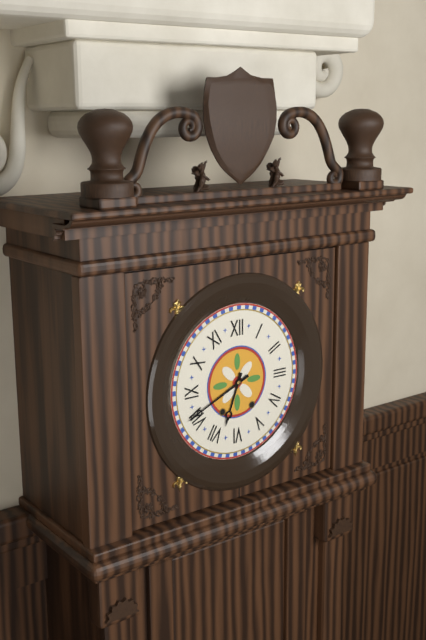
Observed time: **6:41**
